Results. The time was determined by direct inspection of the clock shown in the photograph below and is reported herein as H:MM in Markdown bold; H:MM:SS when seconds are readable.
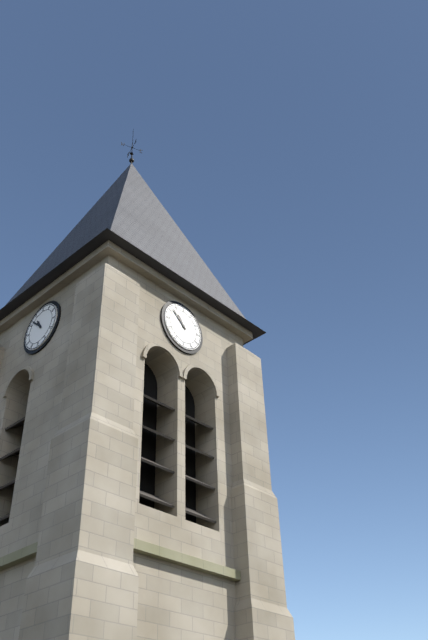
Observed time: **10:52**
